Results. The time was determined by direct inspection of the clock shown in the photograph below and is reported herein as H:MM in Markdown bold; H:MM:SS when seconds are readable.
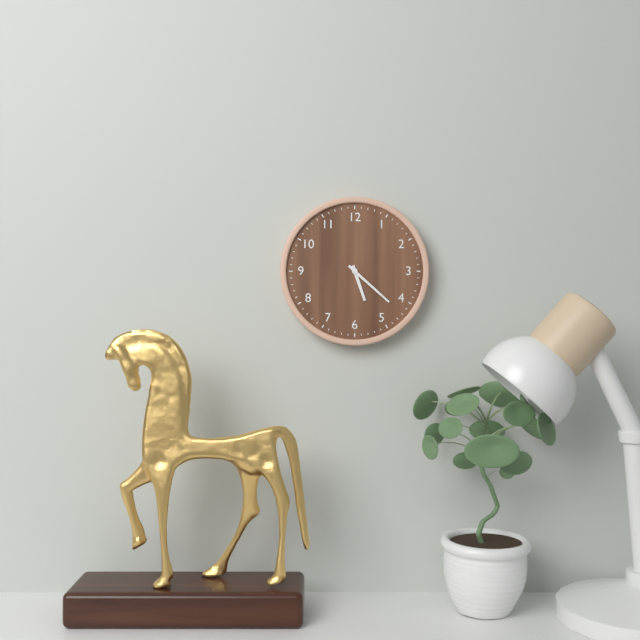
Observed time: **5:22**
